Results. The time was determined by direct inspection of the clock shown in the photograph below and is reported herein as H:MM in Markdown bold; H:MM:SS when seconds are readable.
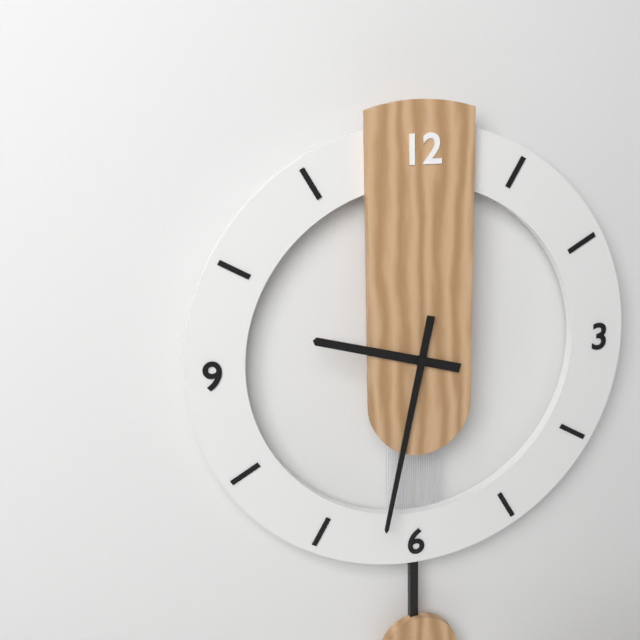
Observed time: **9:32**
